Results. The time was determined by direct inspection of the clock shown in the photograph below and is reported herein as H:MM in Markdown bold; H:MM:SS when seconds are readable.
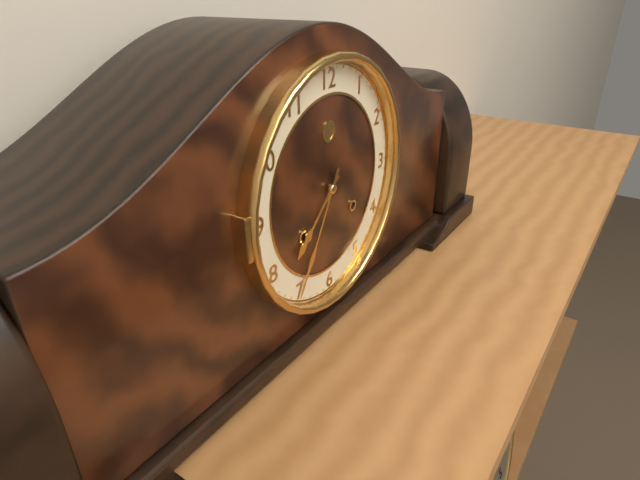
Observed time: **7:35**
